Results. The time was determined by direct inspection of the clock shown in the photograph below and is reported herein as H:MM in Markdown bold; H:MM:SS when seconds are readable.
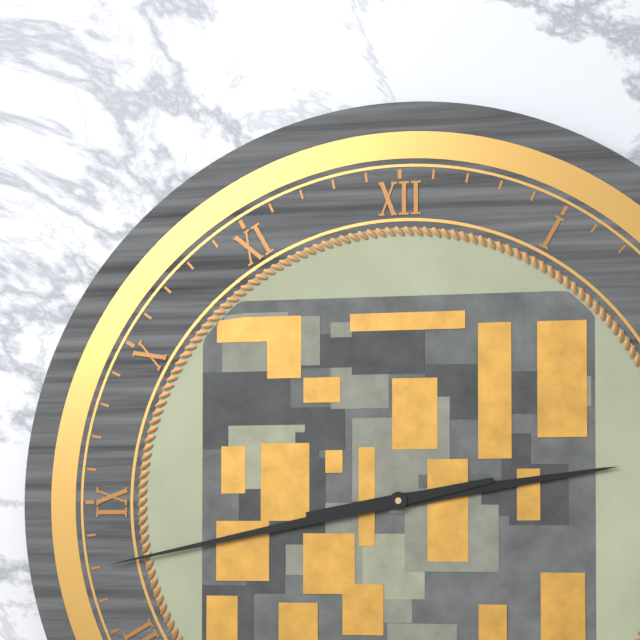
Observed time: **2:43**
